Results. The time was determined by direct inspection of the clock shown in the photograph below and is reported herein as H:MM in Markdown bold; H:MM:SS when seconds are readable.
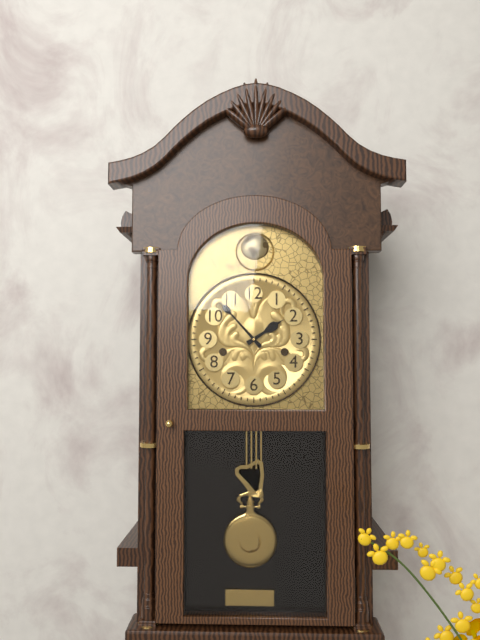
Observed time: **1:53**
